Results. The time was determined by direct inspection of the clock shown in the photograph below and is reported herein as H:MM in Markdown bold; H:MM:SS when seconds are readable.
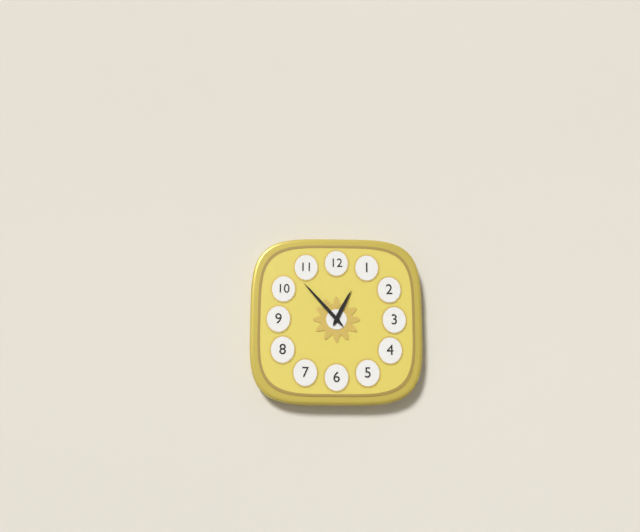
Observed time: **12:53**
